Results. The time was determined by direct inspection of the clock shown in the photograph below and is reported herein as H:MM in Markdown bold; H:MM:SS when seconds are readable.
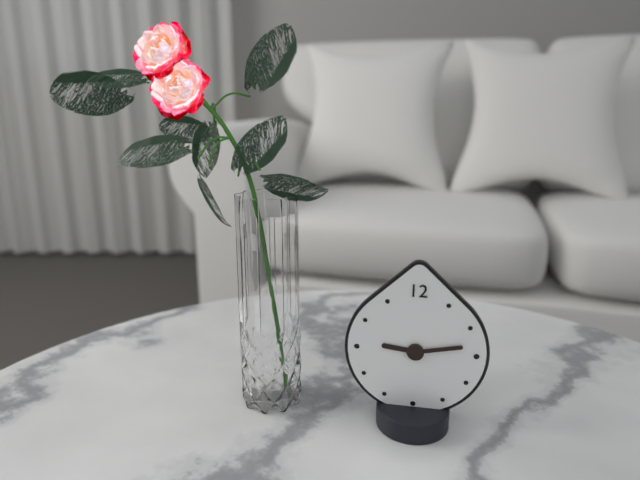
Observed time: **9:13**
